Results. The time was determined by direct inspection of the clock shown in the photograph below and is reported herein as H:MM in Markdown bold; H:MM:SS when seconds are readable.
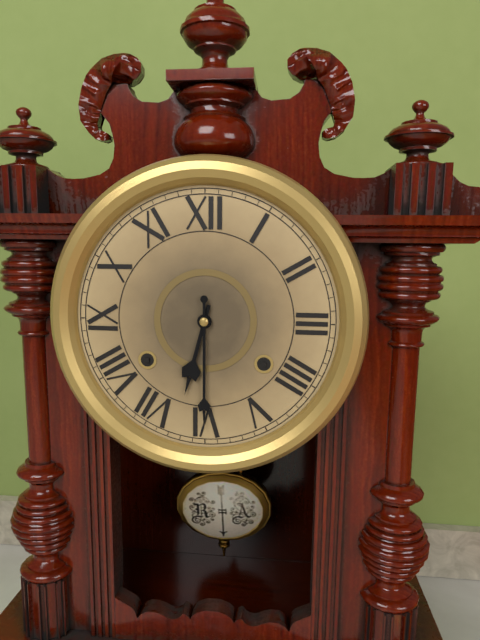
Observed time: **6:30**
